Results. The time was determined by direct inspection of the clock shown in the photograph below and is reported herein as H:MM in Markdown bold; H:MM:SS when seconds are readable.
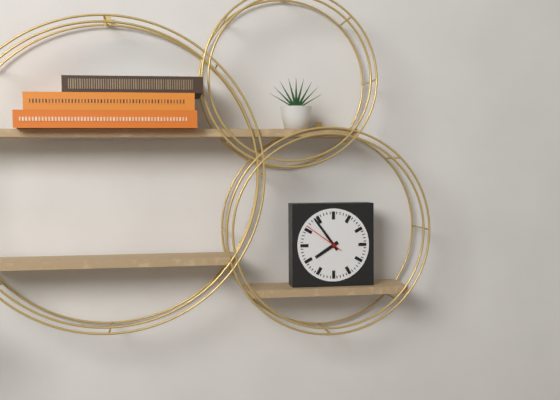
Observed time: **7:54**
